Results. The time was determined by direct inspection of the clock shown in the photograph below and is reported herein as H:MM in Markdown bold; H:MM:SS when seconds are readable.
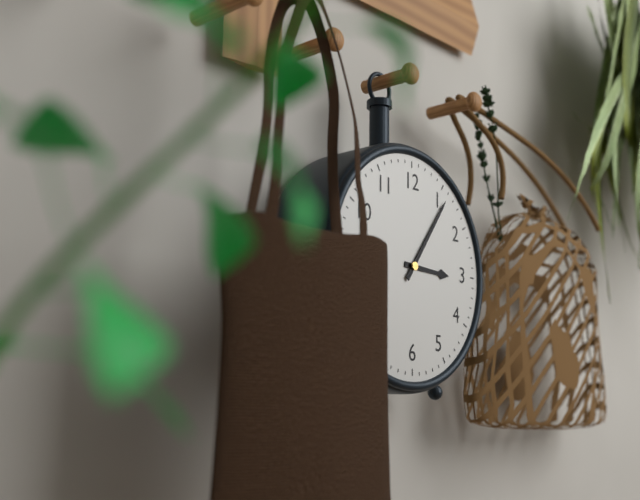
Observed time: **3:06**
